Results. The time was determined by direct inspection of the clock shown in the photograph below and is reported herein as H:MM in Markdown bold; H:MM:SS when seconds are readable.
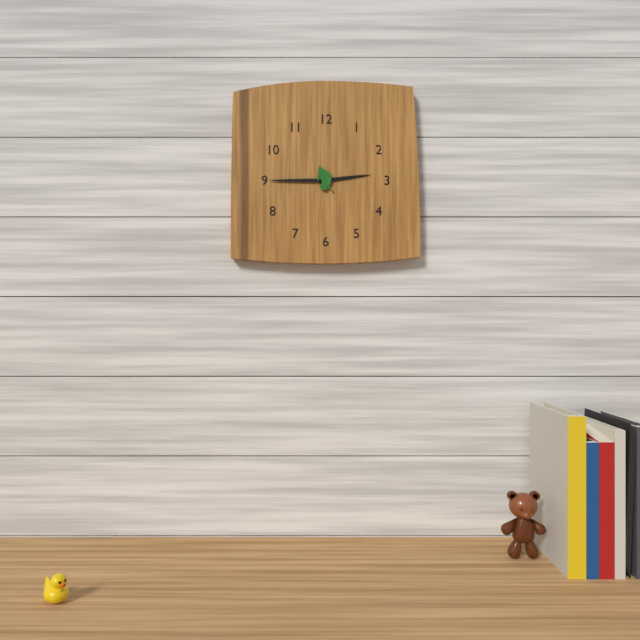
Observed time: **2:45**
